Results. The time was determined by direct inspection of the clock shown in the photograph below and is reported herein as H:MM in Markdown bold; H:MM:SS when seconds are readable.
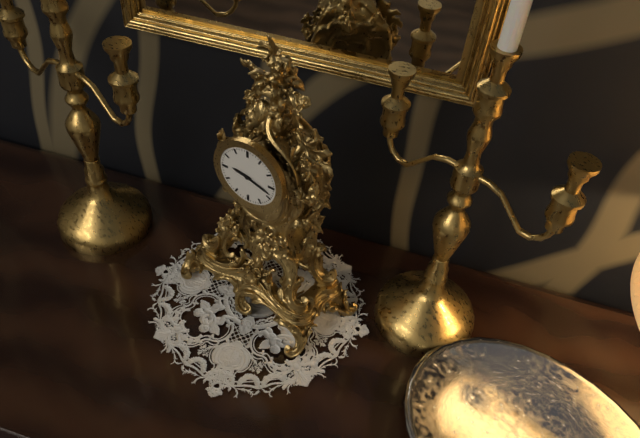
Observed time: **9:18**
